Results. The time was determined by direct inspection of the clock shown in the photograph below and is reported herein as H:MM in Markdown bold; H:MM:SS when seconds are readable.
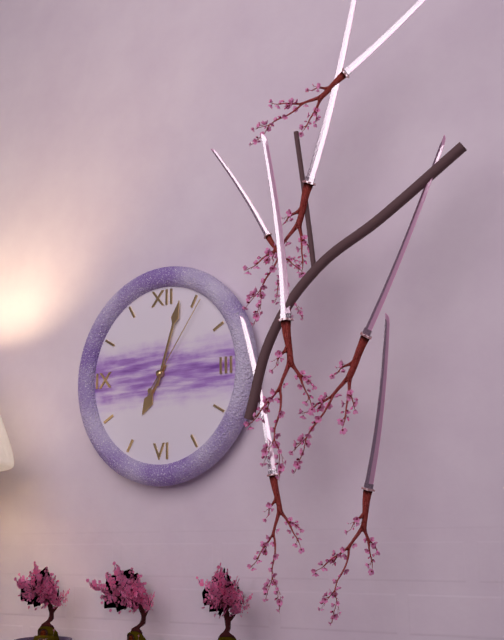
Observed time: **7:03:06**
